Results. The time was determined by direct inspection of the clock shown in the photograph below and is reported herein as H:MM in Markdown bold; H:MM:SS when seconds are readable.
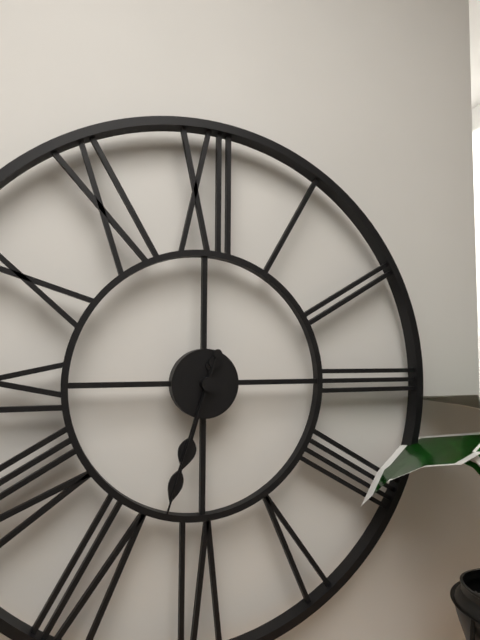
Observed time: **6:33:33**
